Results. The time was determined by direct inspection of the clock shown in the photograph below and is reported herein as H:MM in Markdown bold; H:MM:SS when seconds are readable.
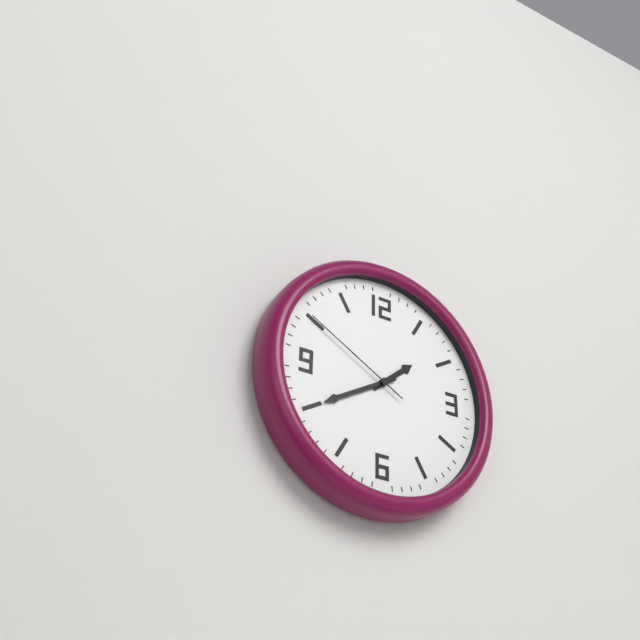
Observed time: **1:40:50**
